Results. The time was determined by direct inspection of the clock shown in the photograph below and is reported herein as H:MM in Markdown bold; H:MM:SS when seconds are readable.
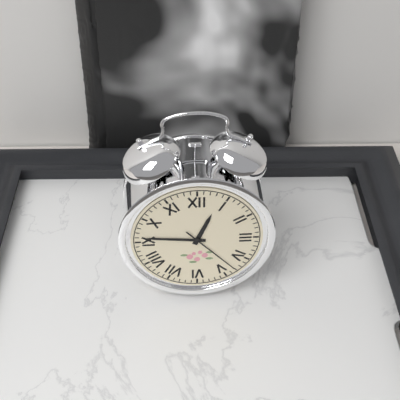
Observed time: **12:46:23**
